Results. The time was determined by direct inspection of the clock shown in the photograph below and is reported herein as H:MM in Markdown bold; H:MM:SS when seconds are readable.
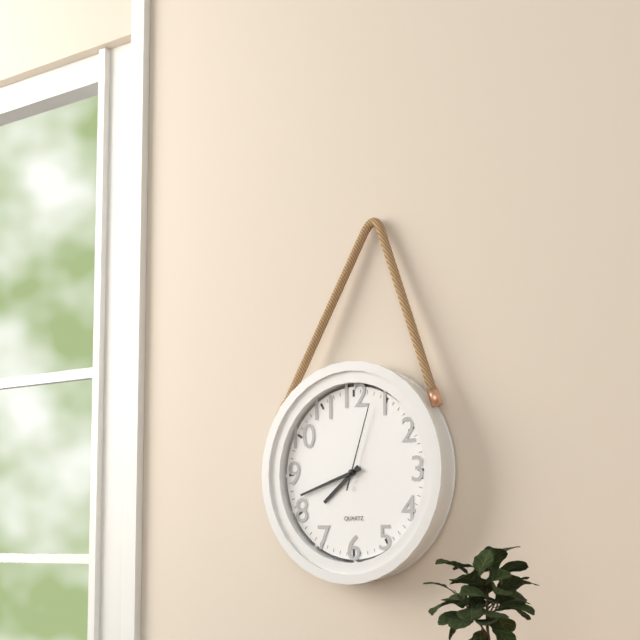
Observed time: **7:42:03**
